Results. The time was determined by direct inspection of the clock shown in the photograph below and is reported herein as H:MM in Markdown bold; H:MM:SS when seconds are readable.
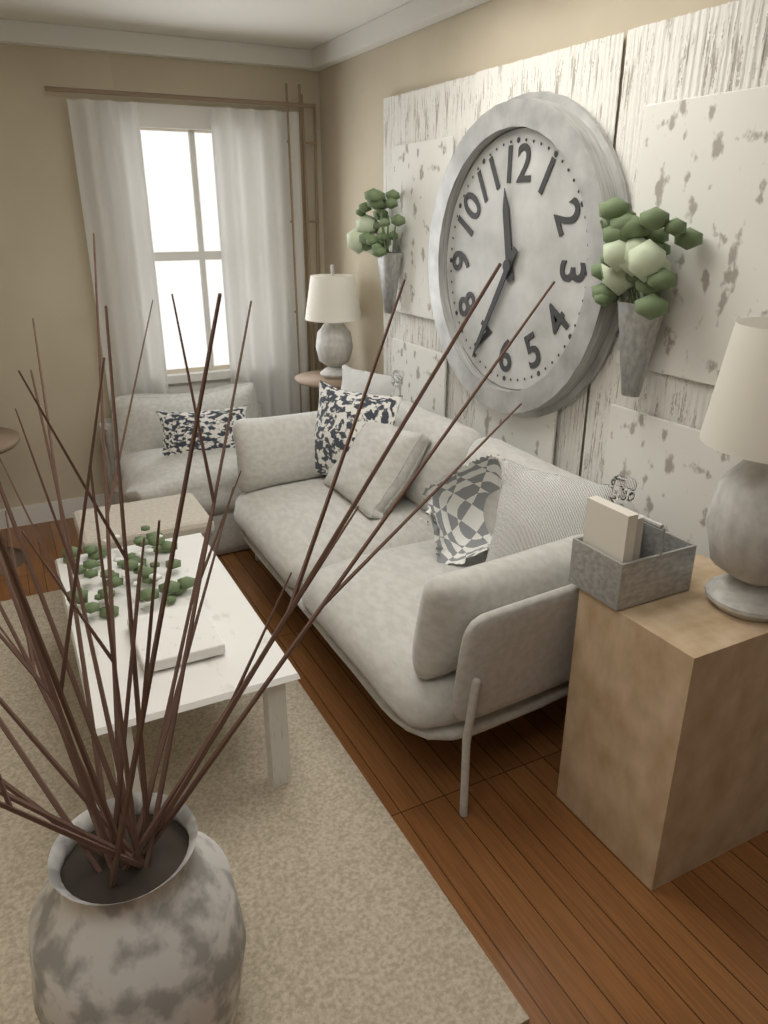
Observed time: **11:35**
